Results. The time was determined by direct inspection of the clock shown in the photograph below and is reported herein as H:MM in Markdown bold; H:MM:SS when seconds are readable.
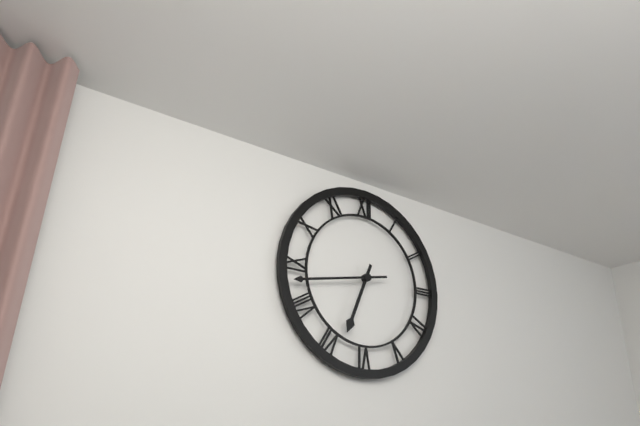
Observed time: **6:43**
